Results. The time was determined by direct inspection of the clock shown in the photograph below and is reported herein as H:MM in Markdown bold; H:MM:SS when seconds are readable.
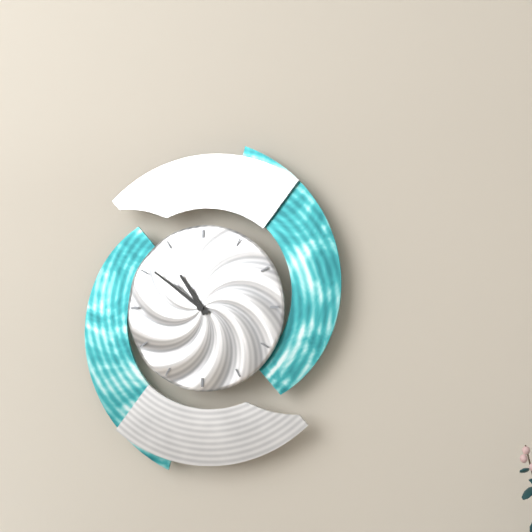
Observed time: **10:51**
